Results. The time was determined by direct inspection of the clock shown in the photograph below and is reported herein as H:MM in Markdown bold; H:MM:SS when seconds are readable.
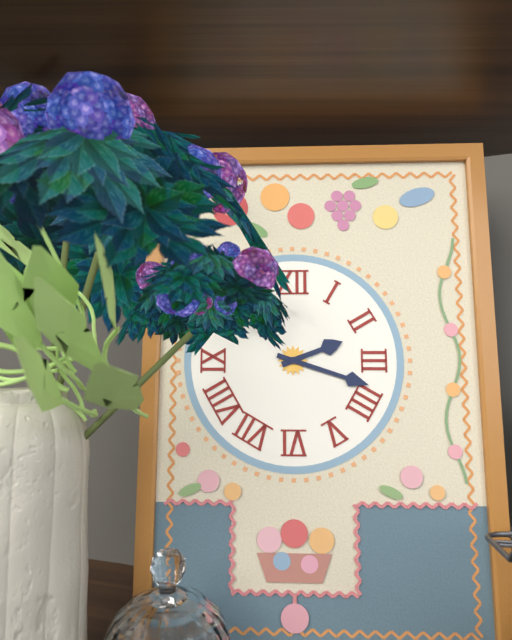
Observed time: **2:18**
